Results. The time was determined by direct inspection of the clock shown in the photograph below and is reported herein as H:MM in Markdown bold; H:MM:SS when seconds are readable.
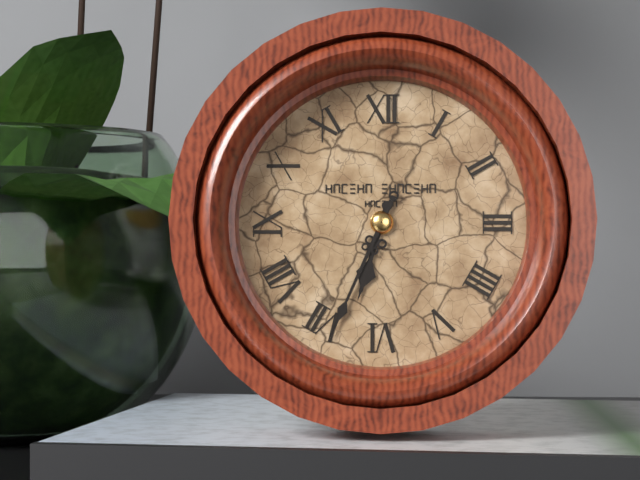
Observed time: **6:34**
